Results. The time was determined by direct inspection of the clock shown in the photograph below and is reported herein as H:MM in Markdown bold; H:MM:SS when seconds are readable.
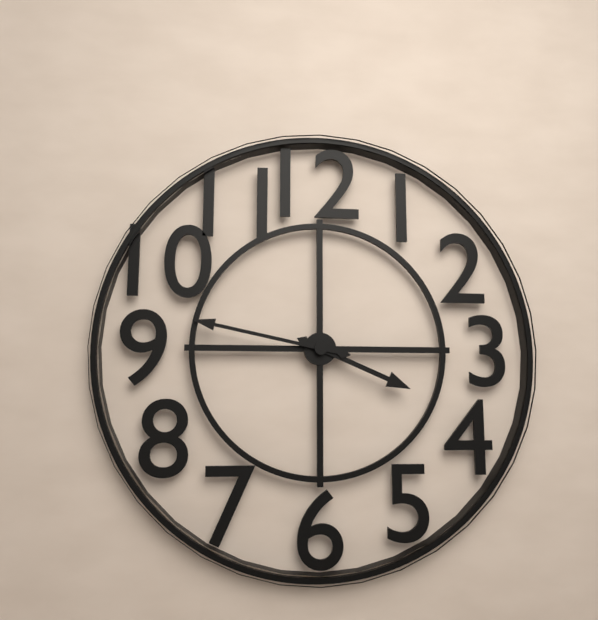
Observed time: **3:47**
